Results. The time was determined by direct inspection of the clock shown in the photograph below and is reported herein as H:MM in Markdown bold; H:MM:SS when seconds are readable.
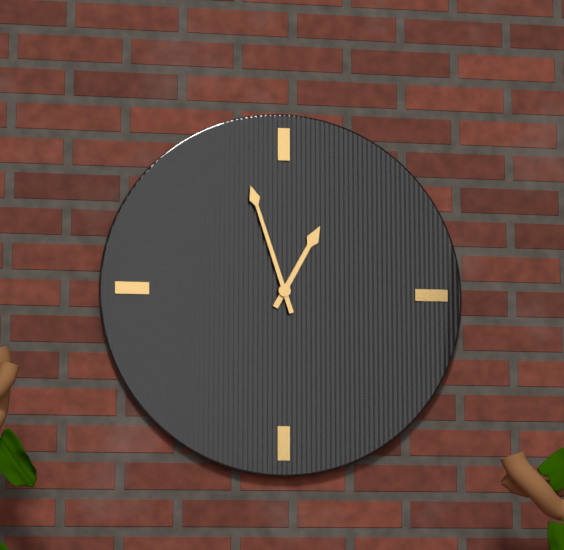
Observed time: **12:57**
